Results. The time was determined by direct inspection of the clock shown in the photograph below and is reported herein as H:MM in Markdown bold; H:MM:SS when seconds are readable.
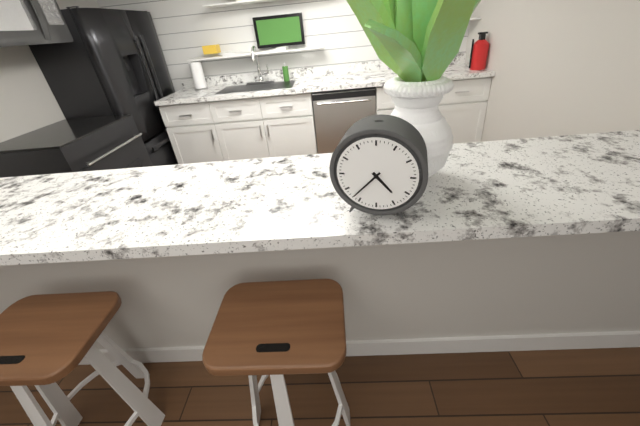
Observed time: **4:37**
